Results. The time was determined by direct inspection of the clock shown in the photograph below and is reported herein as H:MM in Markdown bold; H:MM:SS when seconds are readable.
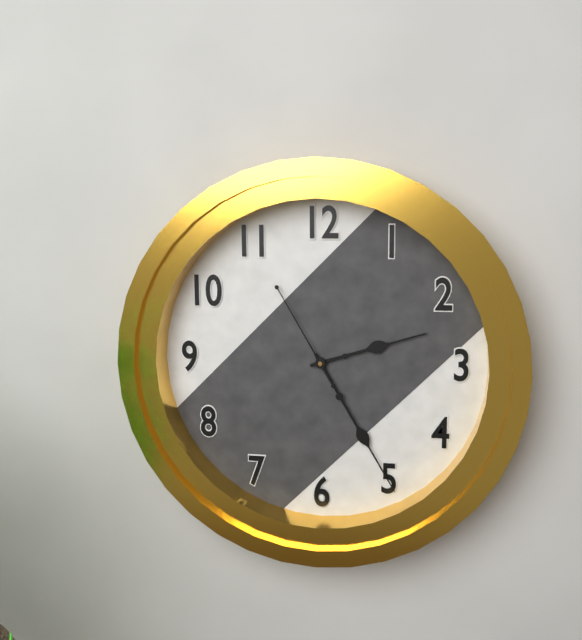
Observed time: **2:25:55**
